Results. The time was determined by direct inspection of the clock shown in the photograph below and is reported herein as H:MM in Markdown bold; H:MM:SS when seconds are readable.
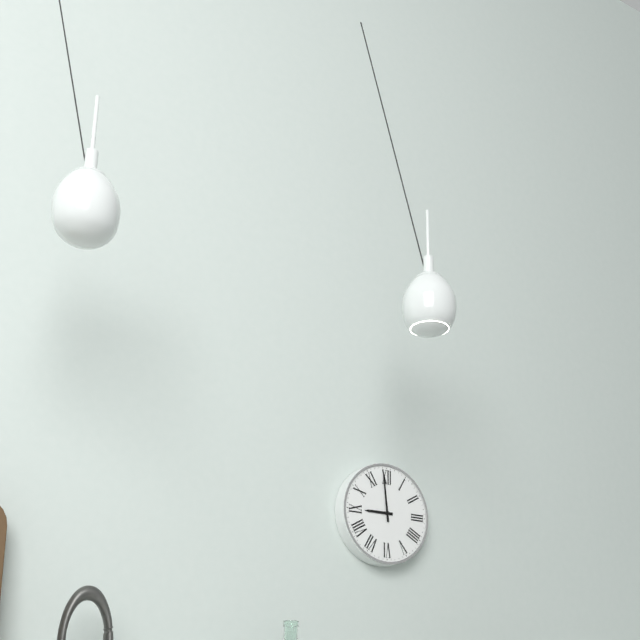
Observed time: **8:59**
